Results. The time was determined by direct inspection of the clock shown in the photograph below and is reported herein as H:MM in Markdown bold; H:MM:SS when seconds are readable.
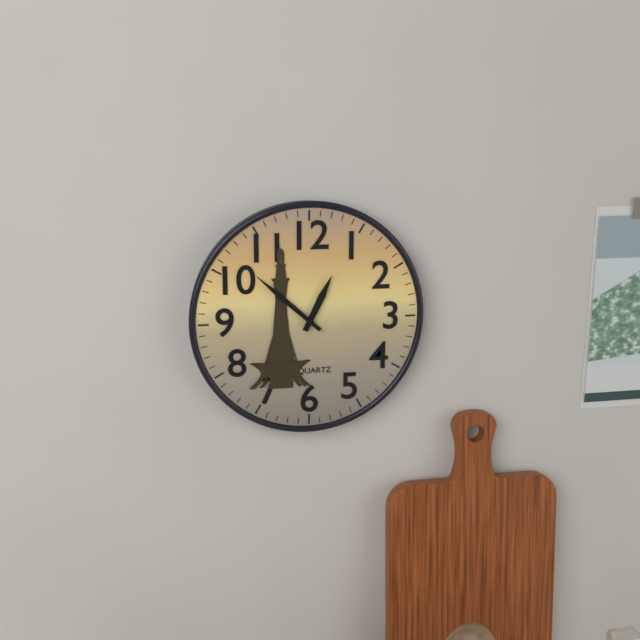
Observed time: **12:52**
